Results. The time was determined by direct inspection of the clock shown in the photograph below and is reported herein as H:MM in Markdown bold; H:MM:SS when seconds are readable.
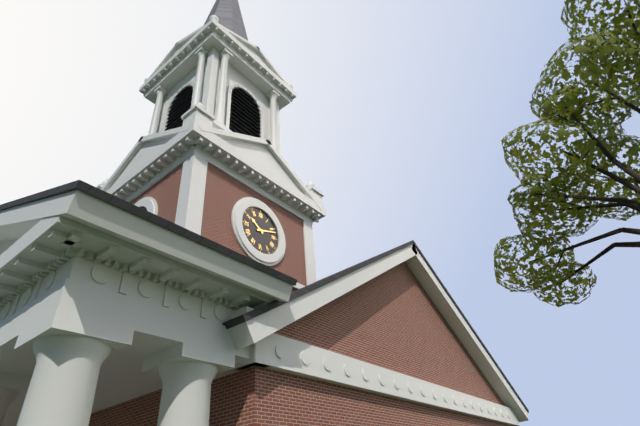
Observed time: **10:12**
